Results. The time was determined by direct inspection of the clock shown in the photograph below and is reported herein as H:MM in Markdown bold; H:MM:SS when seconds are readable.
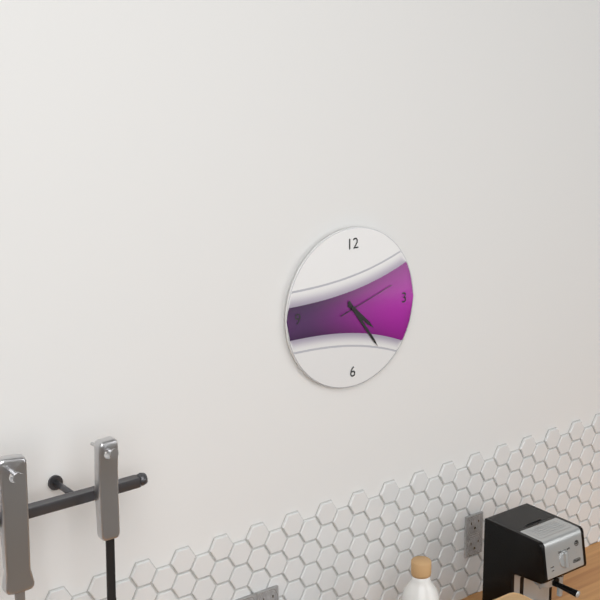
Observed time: **4:24:12**
